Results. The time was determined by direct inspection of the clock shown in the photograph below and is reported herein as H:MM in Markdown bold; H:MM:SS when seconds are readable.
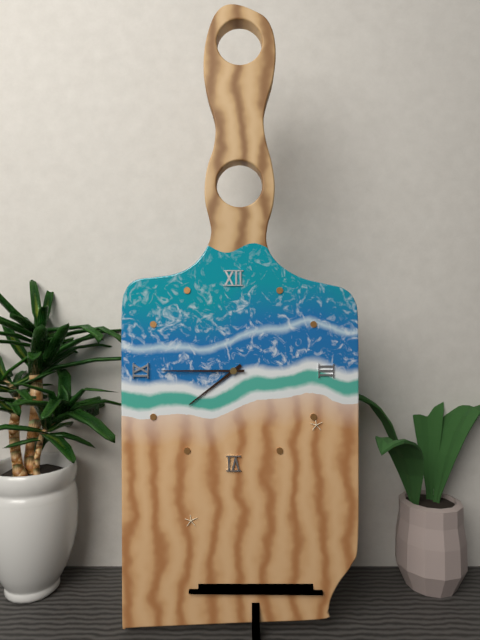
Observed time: **7:45**
